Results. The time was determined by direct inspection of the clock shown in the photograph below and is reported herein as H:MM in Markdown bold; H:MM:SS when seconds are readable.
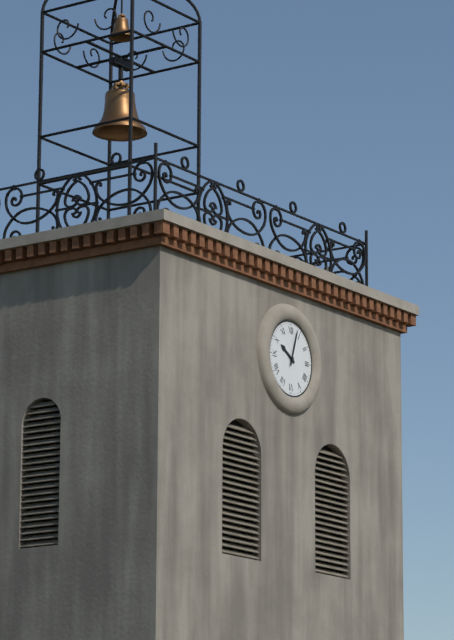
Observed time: **10:03**
